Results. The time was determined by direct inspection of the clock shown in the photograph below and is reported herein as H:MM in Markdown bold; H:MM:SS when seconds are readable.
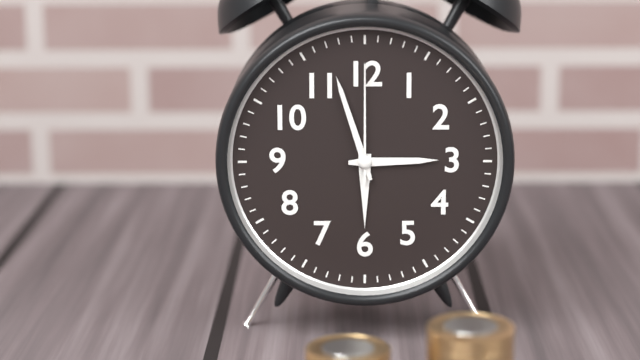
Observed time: **2:57:00**
